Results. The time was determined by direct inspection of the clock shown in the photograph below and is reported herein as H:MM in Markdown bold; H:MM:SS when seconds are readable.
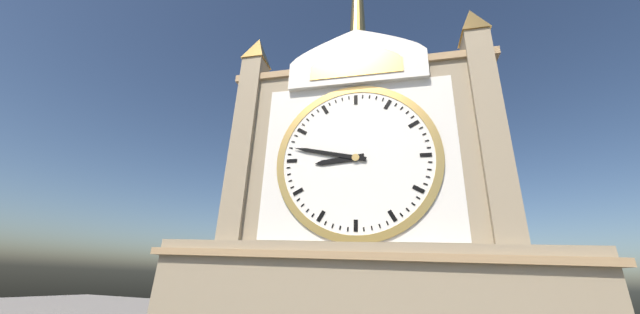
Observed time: **8:47**
